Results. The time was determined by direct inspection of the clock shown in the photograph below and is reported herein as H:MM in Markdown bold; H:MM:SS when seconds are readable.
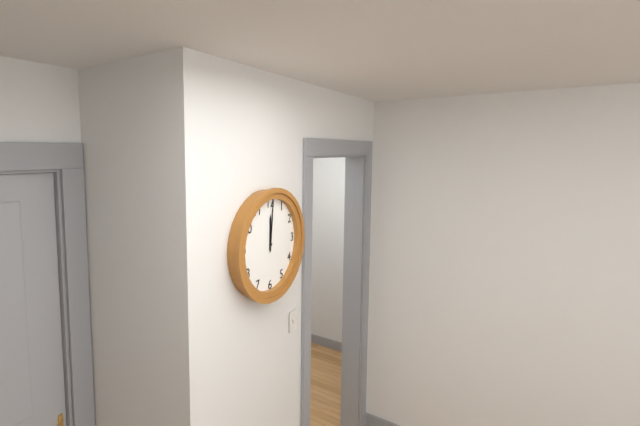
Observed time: **12:01**
